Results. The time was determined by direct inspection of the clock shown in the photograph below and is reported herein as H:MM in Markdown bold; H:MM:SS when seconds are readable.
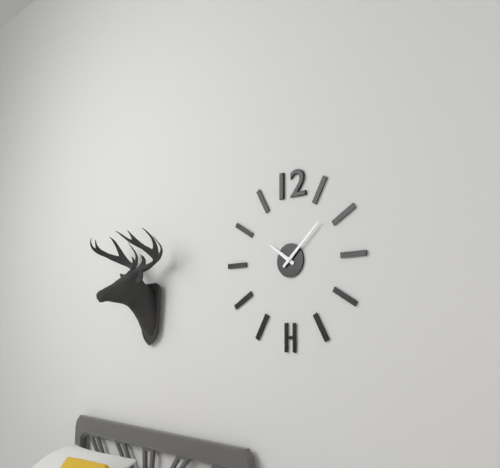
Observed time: **10:08**
